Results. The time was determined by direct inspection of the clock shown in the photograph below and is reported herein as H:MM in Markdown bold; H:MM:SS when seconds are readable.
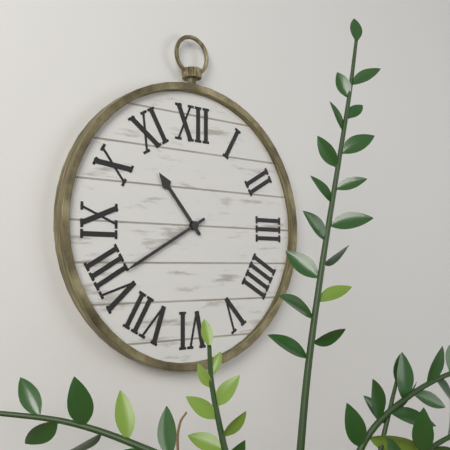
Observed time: **10:40**
